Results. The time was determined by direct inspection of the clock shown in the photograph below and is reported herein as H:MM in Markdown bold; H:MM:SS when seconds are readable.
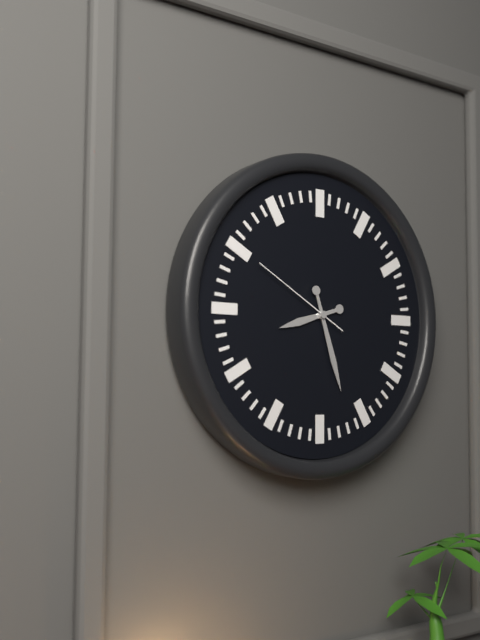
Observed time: **8:27:50**
